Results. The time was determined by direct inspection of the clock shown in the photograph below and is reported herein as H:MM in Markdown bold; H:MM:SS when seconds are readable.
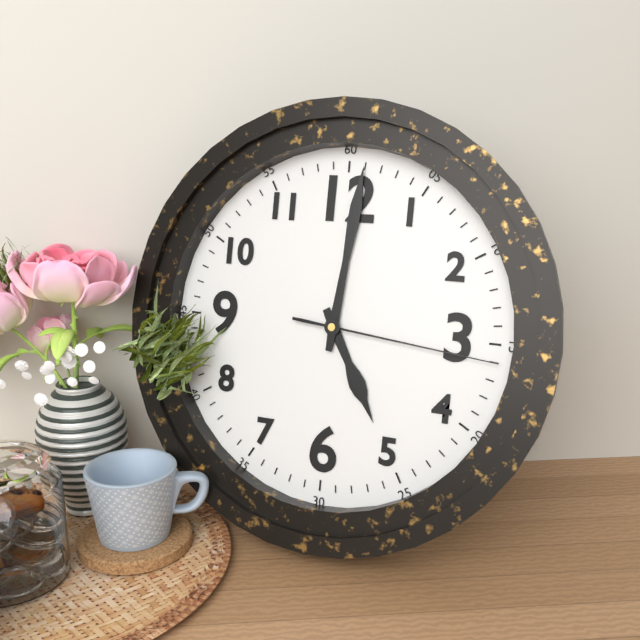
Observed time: **5:01:16**
